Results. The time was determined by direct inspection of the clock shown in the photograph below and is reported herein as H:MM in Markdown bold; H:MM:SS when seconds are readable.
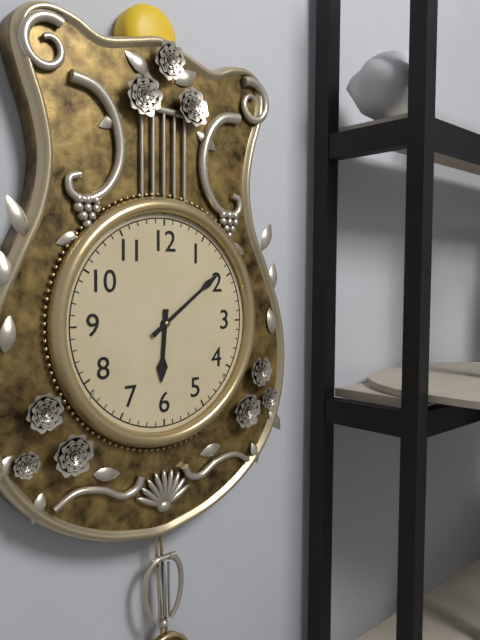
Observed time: **6:09**
